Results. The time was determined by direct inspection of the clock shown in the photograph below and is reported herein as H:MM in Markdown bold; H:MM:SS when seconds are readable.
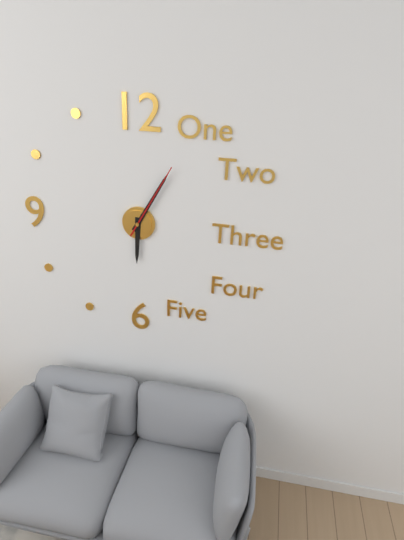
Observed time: **6:05:05**
